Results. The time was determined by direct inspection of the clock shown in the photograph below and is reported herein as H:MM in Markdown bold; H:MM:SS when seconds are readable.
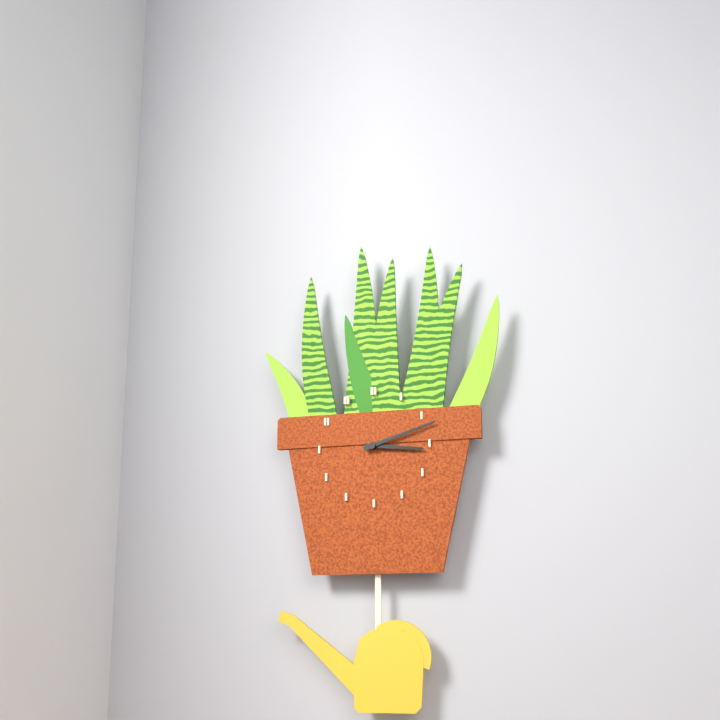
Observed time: **3:12**
